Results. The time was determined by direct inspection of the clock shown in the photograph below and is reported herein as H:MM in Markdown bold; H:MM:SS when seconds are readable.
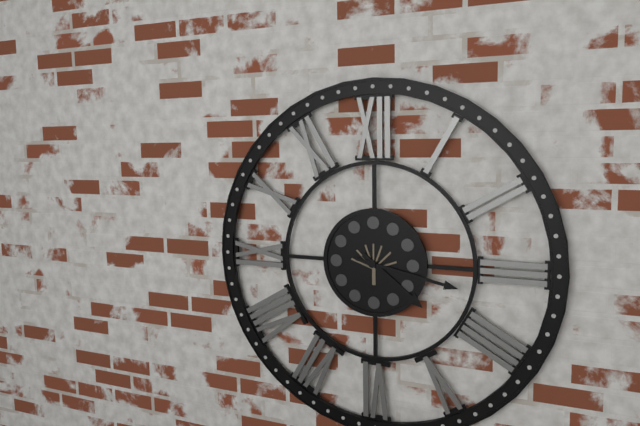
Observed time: **4:17**
